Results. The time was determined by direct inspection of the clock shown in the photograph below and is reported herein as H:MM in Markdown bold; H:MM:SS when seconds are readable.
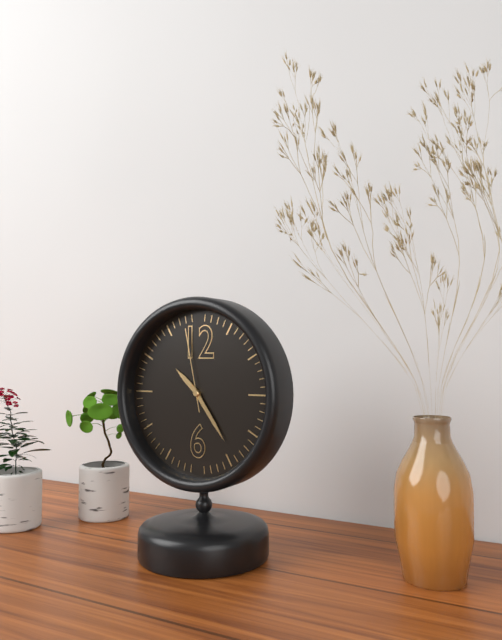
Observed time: **10:24:58**
